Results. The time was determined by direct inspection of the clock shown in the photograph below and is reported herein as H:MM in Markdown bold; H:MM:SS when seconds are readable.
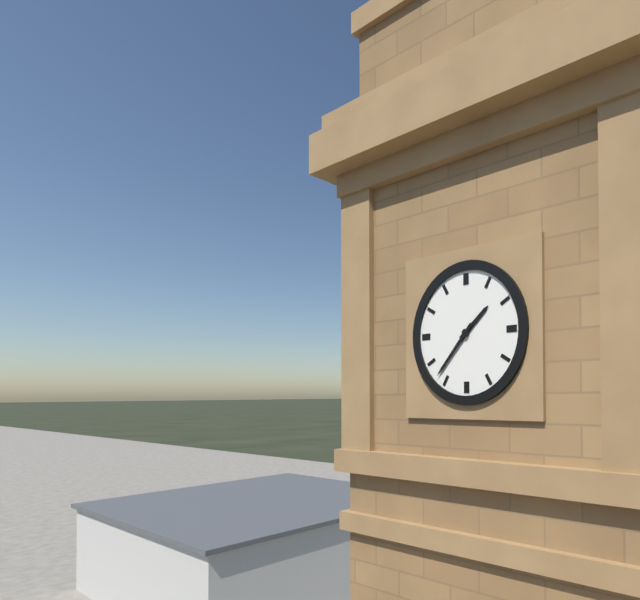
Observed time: **1:37**
